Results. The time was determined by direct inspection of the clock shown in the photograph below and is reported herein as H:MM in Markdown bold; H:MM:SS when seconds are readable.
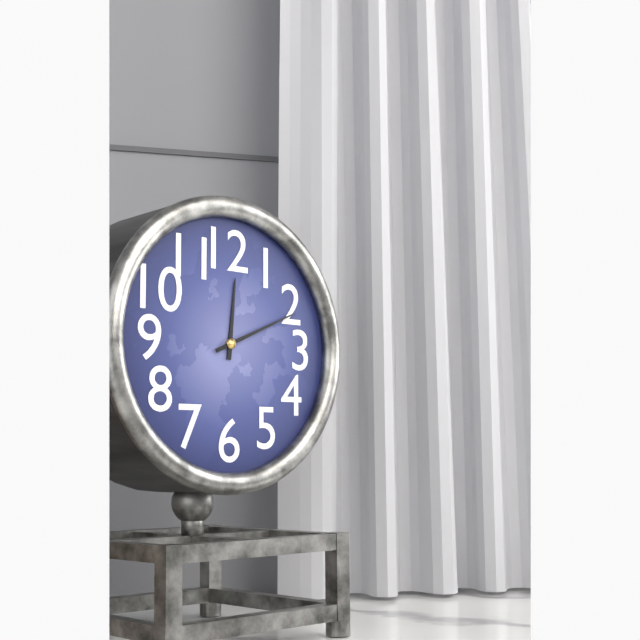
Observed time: **12:11**
